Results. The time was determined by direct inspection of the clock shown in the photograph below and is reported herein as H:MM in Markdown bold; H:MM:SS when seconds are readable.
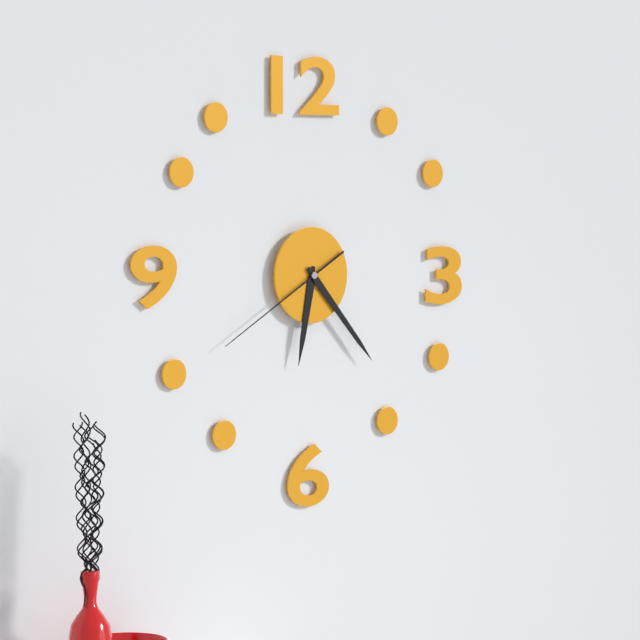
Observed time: **6:23:40**
